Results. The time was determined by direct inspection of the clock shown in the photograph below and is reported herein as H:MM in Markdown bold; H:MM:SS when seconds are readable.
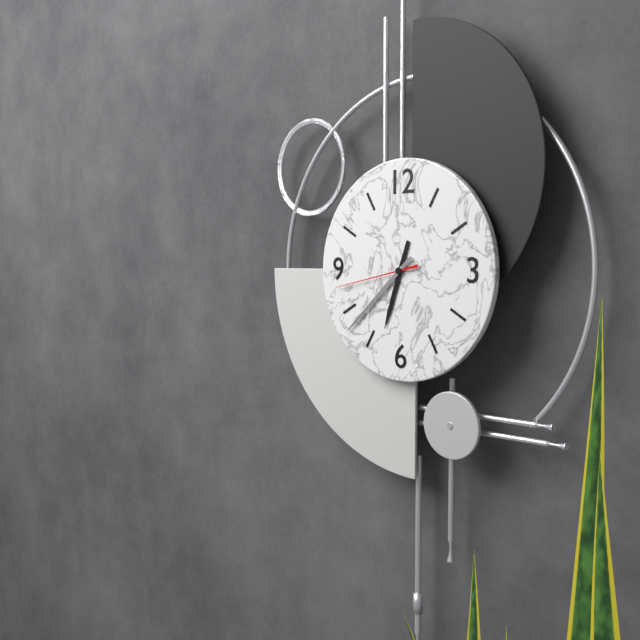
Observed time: **6:38:43**
